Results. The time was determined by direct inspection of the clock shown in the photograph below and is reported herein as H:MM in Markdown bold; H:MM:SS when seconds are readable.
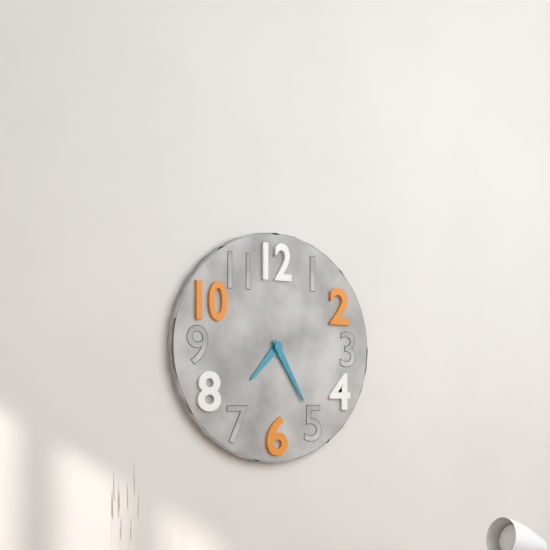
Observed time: **7:25**
